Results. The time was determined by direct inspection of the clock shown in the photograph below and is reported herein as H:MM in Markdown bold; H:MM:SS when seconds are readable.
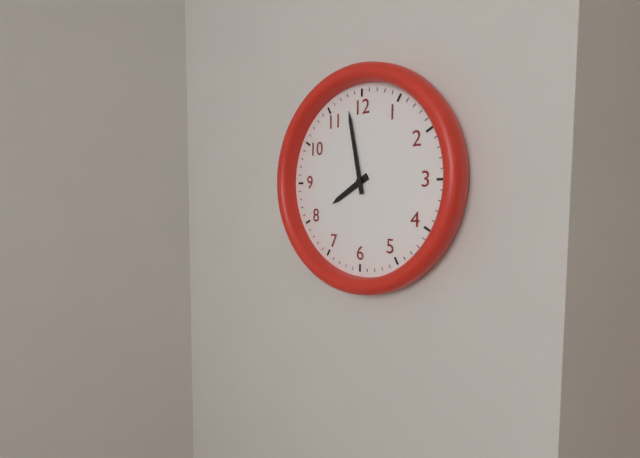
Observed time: **7:58**
